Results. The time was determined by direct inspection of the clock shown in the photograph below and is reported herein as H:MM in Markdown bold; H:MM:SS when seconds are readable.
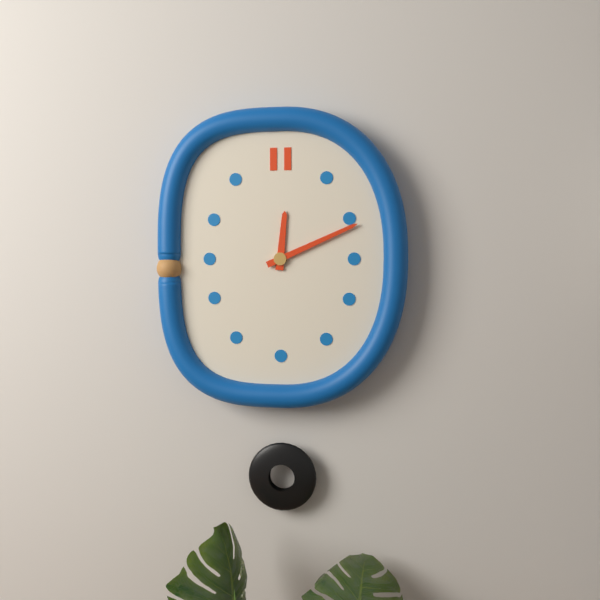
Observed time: **12:11**
